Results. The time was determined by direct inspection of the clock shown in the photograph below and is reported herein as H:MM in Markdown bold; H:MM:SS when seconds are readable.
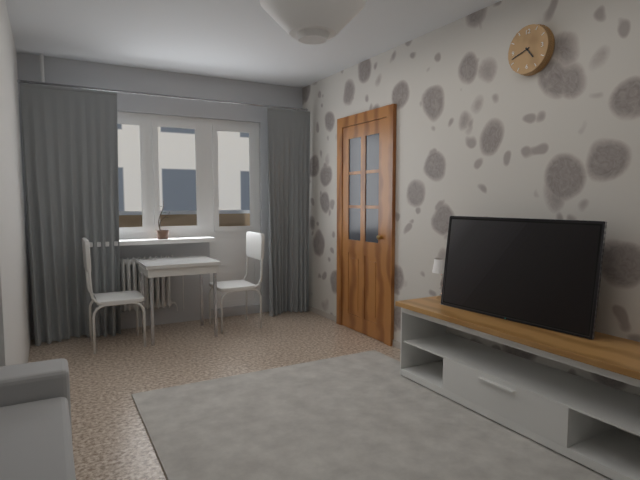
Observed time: **4:42**
